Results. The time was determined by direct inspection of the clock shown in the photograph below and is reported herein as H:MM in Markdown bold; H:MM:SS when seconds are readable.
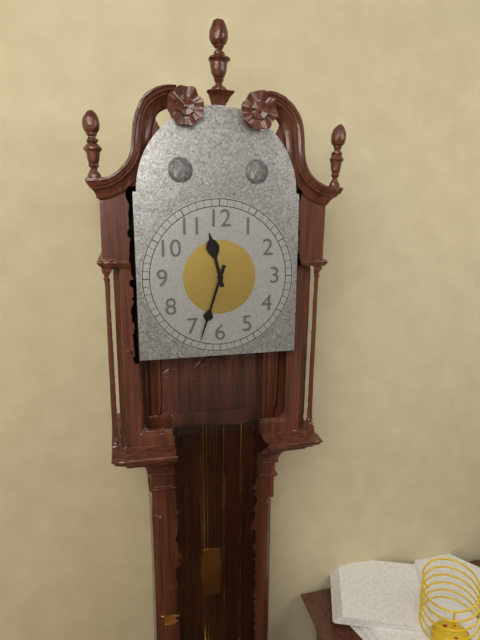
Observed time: **11:33**
